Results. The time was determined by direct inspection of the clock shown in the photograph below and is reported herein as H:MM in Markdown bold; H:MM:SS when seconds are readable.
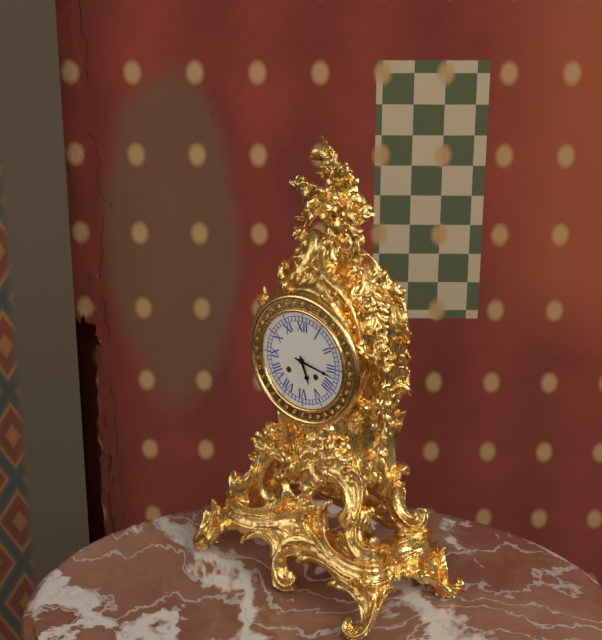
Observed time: **5:17**
